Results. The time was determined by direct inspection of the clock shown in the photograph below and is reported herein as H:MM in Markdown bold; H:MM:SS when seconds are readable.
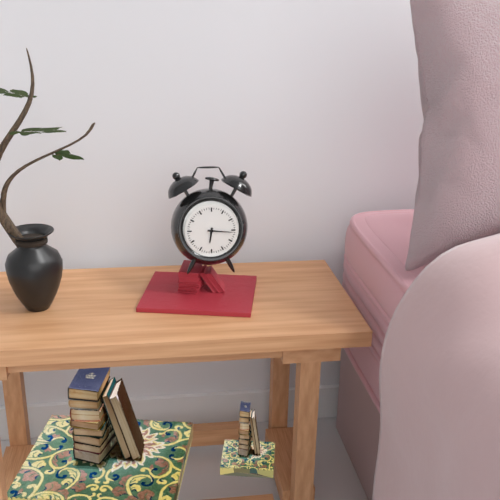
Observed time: **6:16**
